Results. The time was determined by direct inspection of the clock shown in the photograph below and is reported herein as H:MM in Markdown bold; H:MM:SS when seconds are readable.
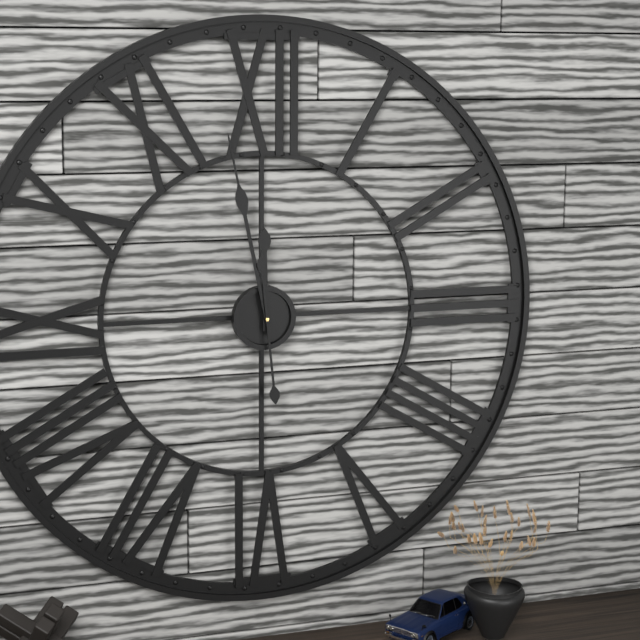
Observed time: **11:58:29**
